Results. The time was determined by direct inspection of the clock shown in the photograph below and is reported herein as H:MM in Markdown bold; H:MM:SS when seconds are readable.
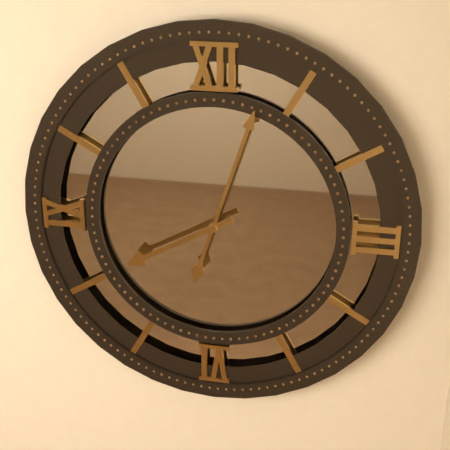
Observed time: **8:03**
